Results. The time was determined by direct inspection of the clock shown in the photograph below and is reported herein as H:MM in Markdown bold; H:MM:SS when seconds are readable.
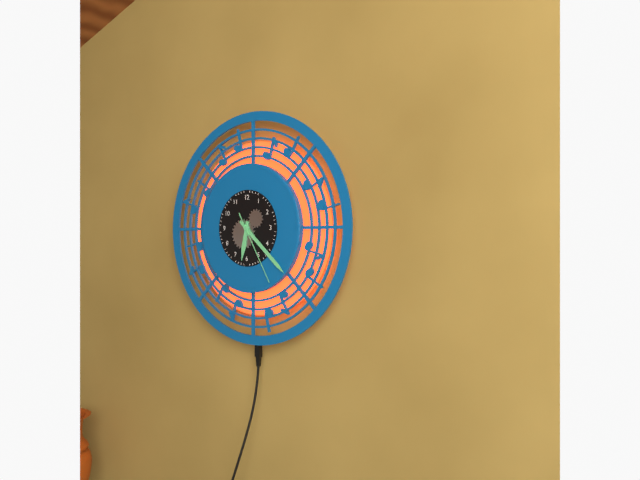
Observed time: **6:22:25**
